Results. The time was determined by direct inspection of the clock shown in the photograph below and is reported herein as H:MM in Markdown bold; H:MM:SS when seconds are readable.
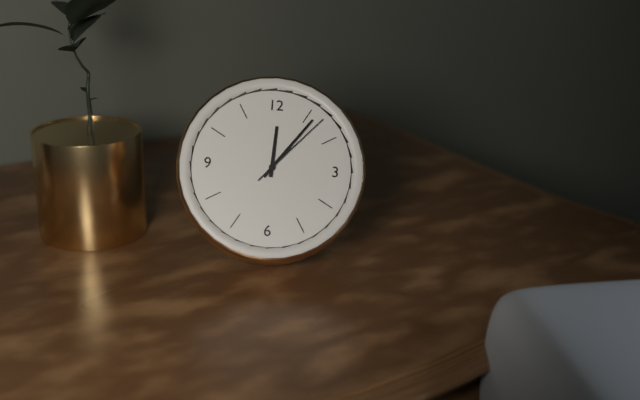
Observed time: **12:06:07**
